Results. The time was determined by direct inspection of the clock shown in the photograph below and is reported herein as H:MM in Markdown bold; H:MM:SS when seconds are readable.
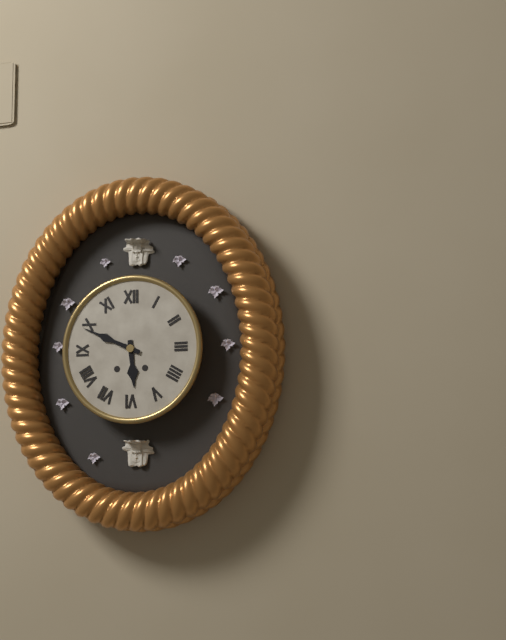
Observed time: **5:49**
